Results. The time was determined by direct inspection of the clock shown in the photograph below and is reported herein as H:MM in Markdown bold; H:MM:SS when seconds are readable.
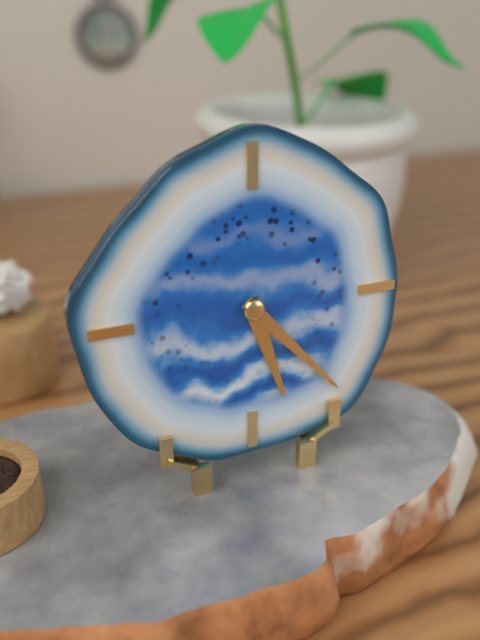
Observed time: **5:23**
